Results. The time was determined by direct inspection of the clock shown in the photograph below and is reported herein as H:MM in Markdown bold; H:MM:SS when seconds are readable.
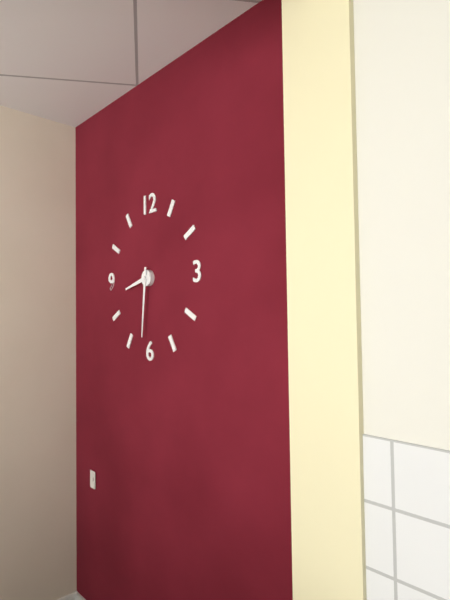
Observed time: **8:31**
